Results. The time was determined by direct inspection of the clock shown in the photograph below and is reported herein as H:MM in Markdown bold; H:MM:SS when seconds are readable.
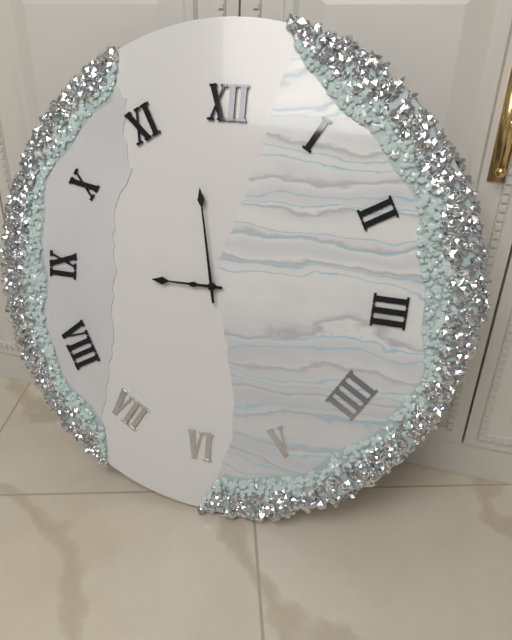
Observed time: **8:58**
